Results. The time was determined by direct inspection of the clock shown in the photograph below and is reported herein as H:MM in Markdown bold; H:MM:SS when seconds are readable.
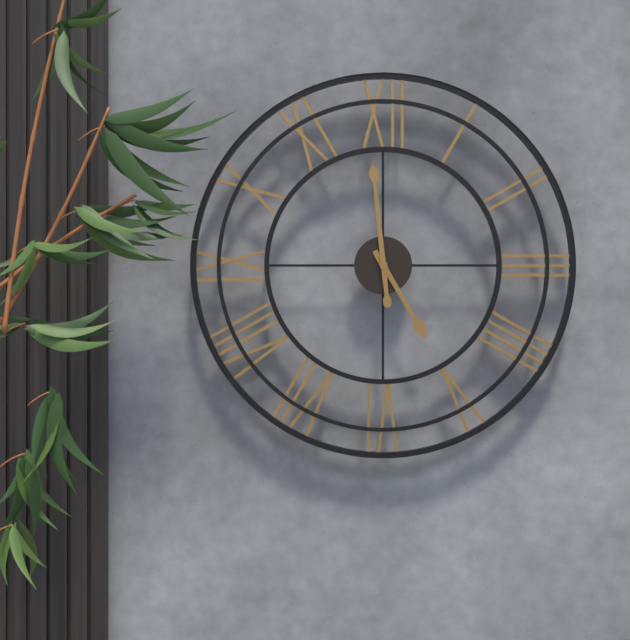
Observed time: **4:59**
